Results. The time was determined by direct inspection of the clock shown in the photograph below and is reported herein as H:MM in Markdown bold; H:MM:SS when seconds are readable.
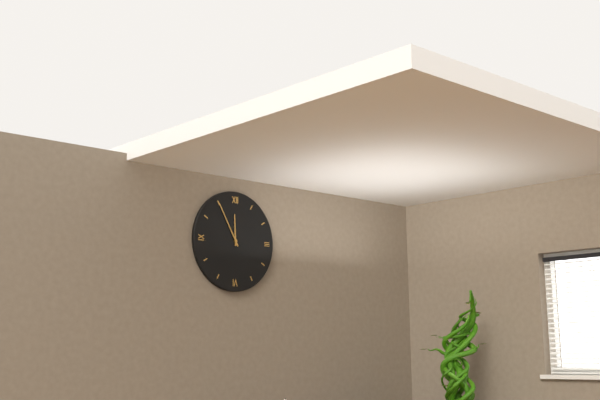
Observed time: **11:55**
